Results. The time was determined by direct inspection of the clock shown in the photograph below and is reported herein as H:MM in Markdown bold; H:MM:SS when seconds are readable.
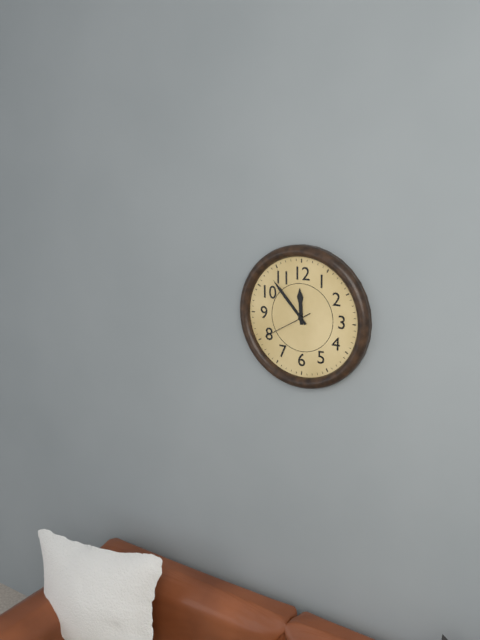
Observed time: **11:53**
